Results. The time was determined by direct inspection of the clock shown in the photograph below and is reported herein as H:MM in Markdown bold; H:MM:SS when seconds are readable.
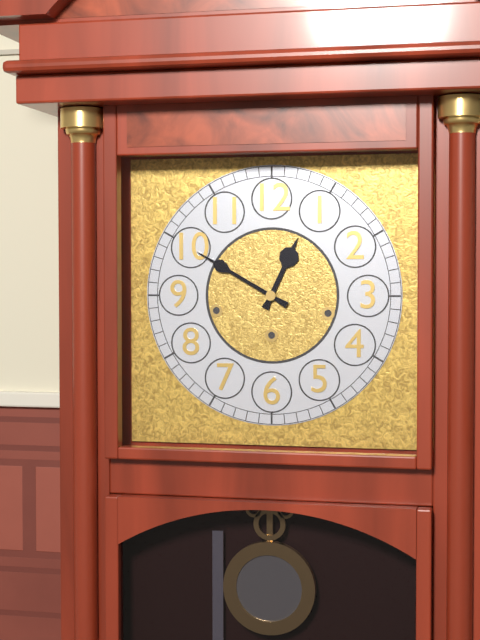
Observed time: **12:50**
